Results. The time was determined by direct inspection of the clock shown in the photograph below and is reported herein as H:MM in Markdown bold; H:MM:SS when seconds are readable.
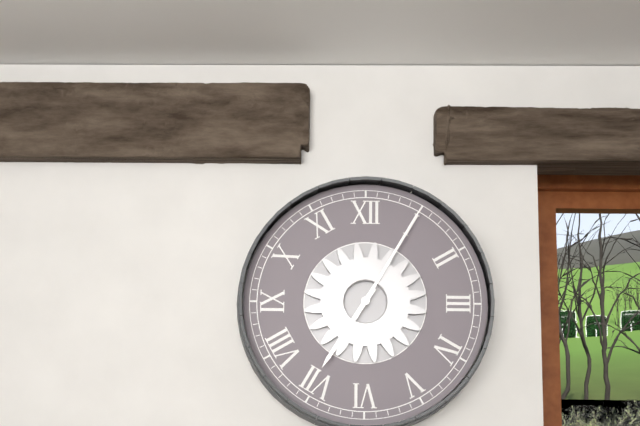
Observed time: **7:05**
